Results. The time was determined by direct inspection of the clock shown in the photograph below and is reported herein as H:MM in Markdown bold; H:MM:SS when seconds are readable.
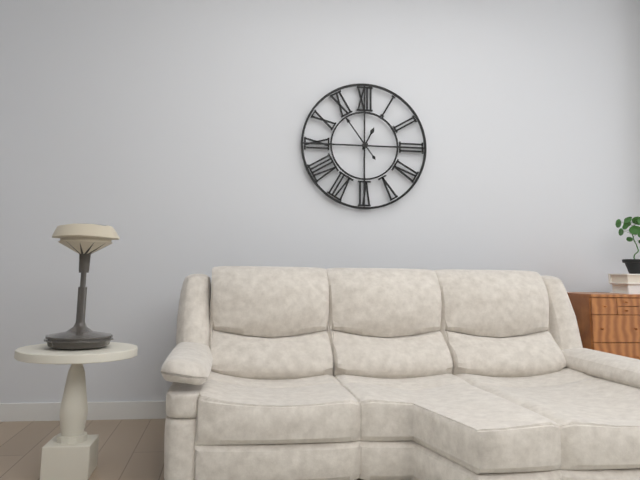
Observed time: **12:54**
